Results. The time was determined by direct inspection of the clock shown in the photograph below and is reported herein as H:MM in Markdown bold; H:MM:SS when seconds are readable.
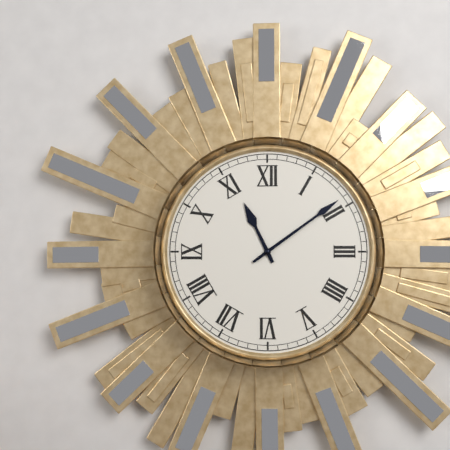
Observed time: **11:09**
